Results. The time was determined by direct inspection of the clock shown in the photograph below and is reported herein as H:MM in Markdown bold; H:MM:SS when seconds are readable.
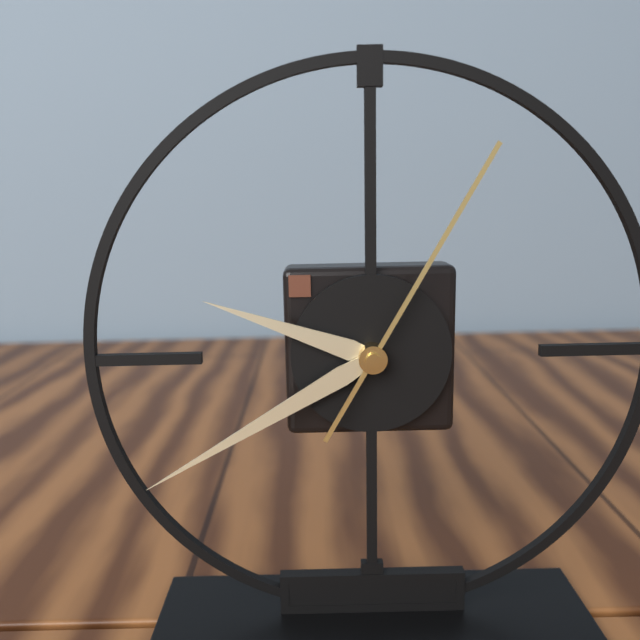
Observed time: **9:40:05**
